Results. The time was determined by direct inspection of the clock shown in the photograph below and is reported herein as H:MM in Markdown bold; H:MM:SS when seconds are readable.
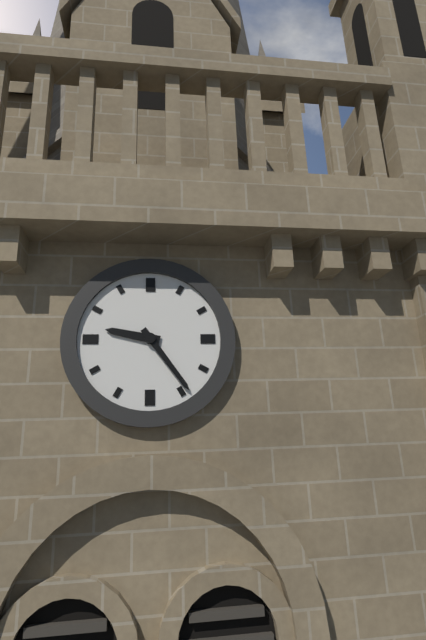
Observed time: **9:24**
